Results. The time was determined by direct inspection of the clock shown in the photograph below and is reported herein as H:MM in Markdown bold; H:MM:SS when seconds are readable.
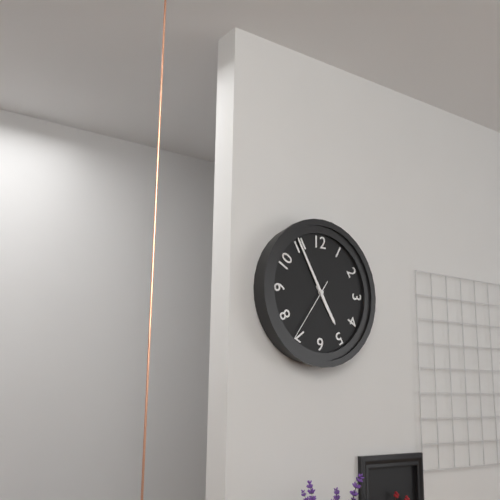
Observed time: **4:55:36**
